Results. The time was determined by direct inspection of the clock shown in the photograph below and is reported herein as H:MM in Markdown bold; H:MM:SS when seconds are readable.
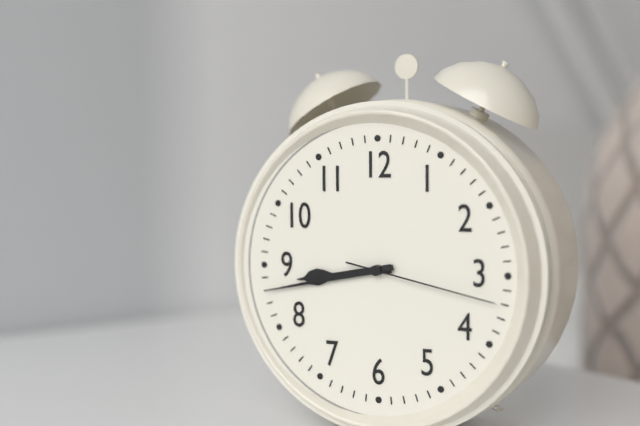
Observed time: **8:43:17**
